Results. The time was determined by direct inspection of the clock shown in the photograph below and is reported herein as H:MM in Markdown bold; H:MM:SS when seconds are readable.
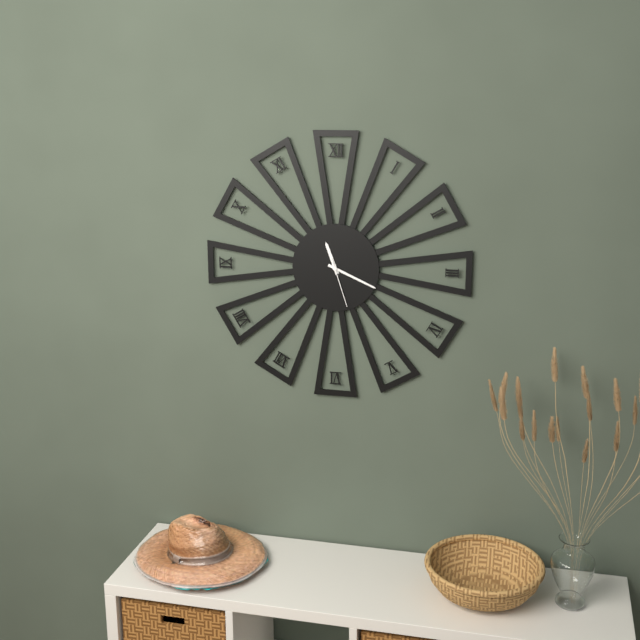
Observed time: **11:19:27**
